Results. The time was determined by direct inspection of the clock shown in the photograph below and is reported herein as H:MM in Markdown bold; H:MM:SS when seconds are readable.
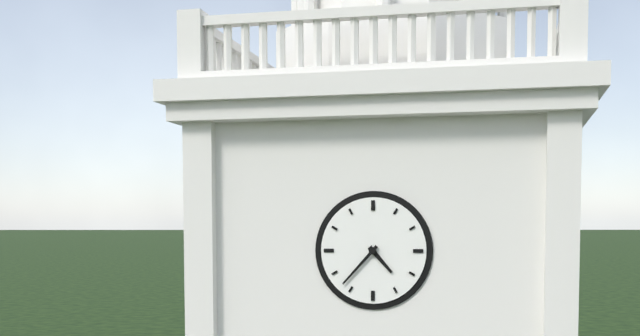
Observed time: **4:37**
